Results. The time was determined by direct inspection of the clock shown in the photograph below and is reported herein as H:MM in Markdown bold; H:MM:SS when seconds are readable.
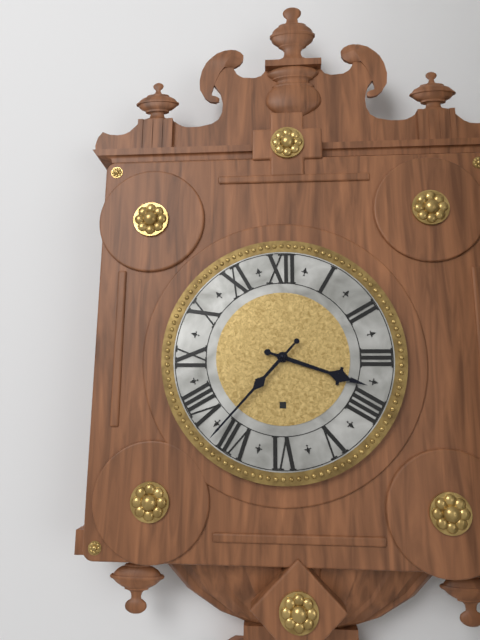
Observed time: **3:37**
